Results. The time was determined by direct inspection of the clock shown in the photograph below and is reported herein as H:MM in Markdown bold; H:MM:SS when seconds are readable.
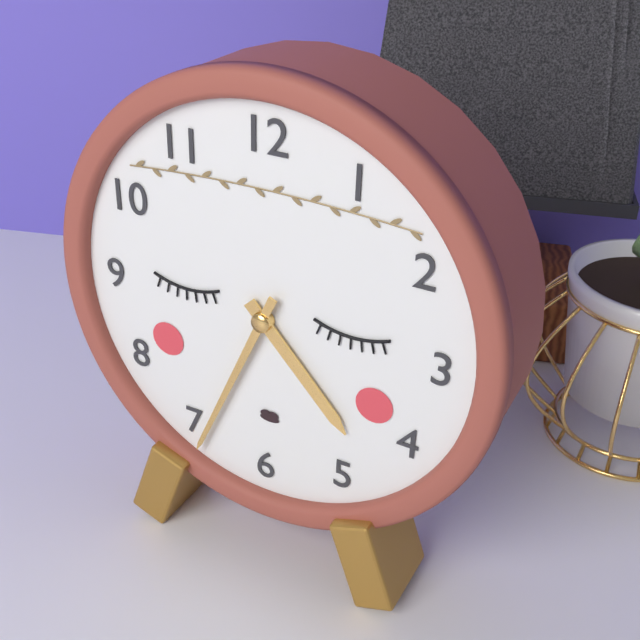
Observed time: **4:34**
